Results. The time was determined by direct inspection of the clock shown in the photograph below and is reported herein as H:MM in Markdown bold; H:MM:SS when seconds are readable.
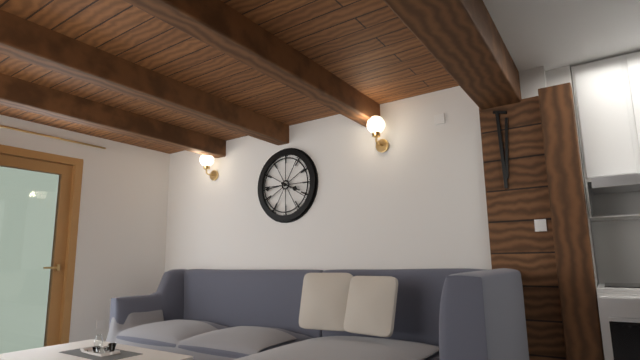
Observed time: **3:44**
